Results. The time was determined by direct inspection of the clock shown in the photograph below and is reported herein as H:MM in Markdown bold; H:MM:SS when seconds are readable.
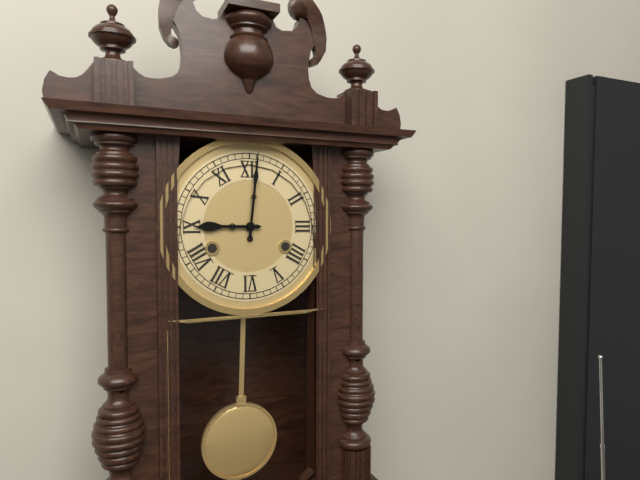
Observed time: **9:01**
